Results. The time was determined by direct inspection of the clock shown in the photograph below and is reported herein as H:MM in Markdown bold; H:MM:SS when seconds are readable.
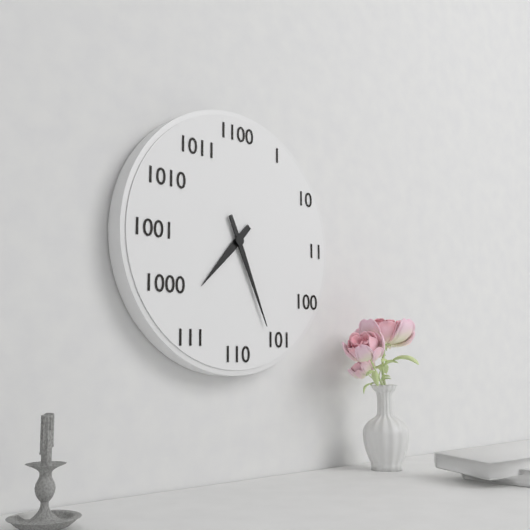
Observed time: **7:26**
